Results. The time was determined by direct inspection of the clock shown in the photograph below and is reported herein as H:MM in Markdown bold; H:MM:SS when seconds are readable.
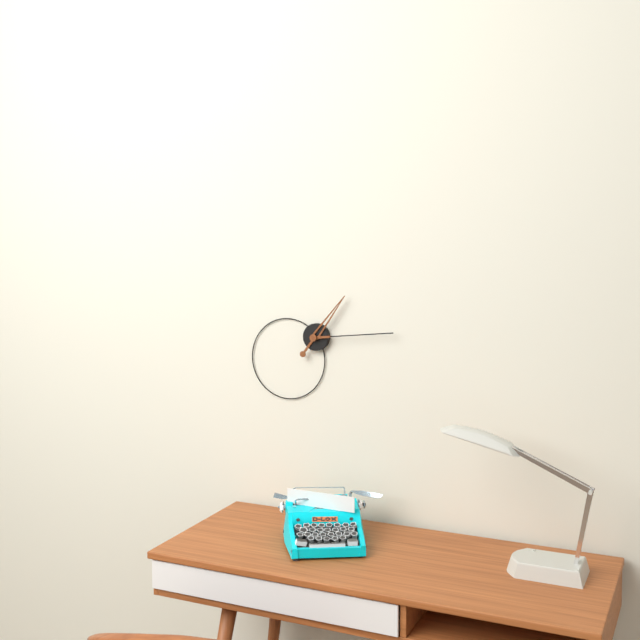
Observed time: **1:14**
